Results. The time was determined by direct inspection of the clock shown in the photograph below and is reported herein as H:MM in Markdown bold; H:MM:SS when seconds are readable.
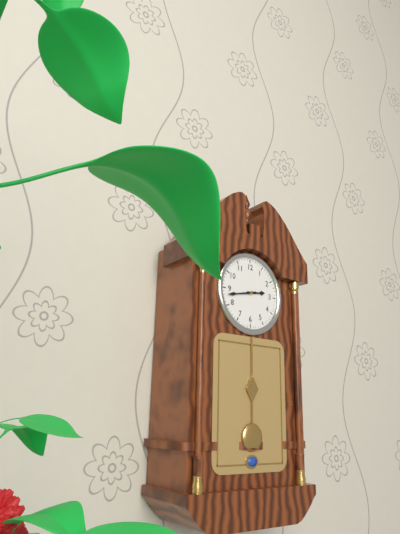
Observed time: **2:43**
